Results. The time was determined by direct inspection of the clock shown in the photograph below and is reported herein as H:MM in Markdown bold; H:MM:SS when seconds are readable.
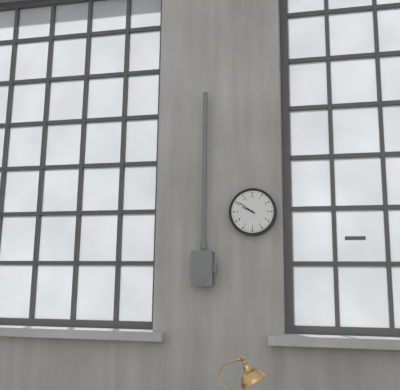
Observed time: **9:51**
